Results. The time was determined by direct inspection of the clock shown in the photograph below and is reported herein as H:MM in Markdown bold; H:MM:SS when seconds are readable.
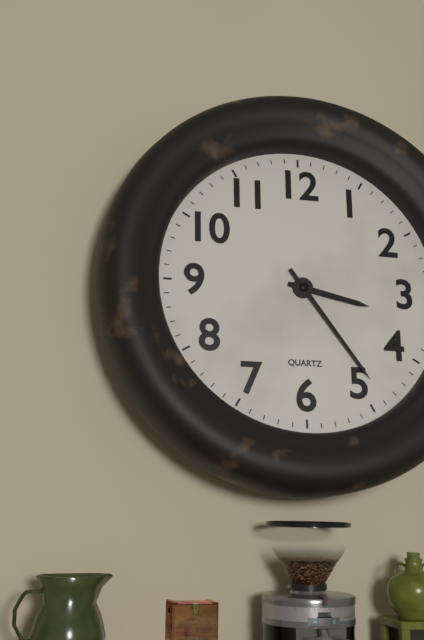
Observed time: **3:24**
